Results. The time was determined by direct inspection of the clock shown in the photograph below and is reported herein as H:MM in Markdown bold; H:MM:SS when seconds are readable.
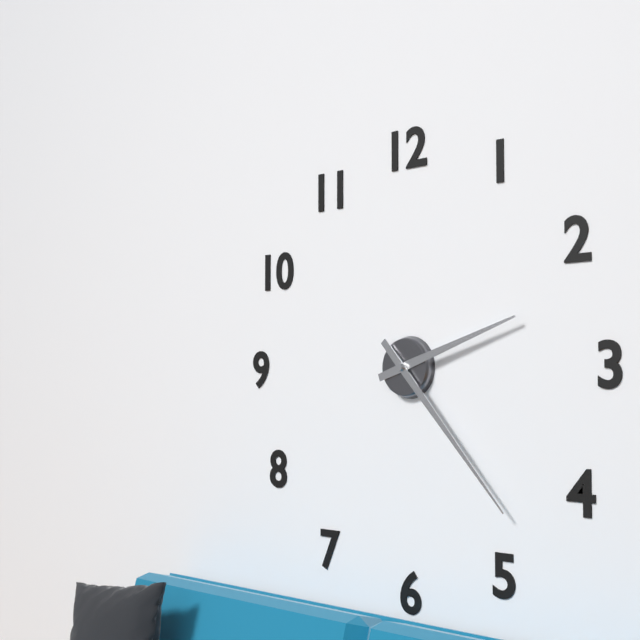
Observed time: **2:23**
